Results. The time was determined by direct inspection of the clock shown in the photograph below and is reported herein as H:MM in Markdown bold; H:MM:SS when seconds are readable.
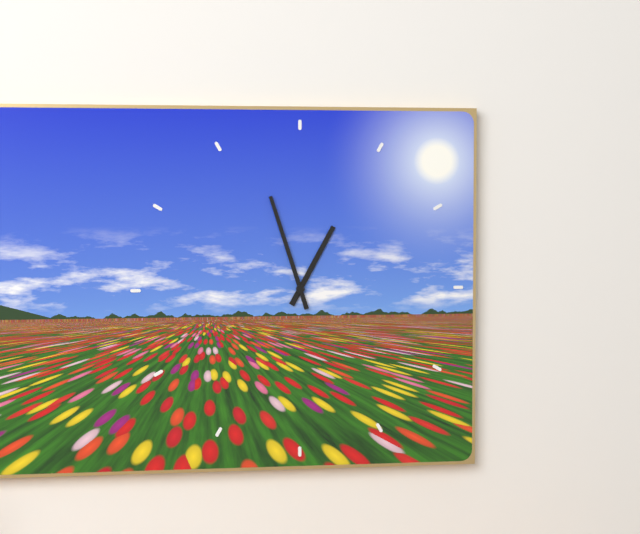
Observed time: **12:57**
